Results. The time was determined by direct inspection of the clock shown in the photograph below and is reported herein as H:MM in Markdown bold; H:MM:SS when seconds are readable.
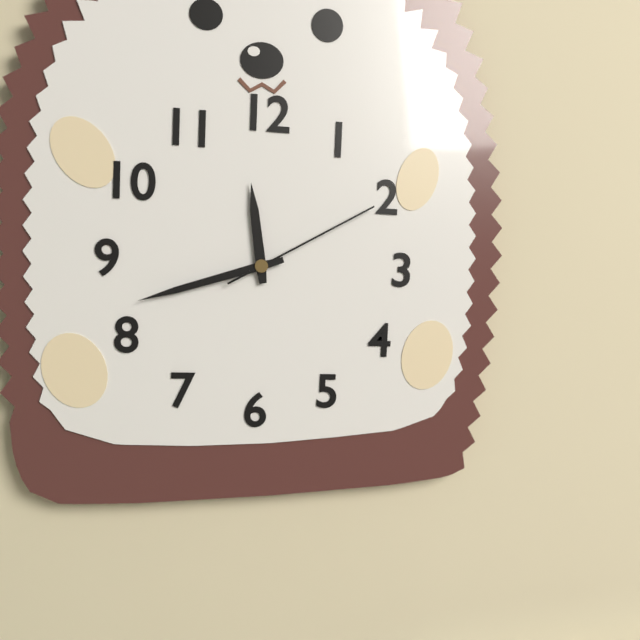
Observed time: **11:42:10**
